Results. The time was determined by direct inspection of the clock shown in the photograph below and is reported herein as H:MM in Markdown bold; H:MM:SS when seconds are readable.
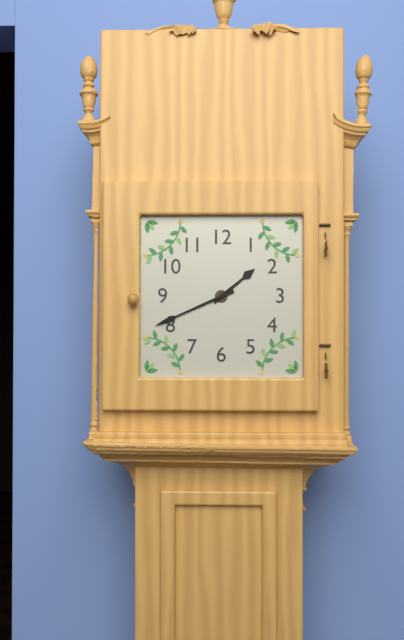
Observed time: **1:41**
